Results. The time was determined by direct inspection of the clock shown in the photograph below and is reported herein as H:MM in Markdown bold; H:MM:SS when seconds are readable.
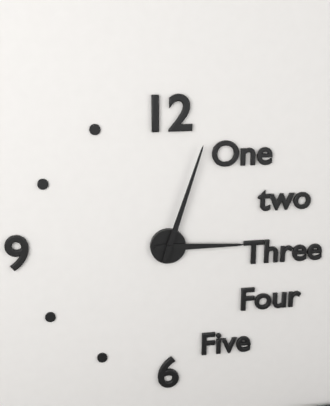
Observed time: **3:03**
